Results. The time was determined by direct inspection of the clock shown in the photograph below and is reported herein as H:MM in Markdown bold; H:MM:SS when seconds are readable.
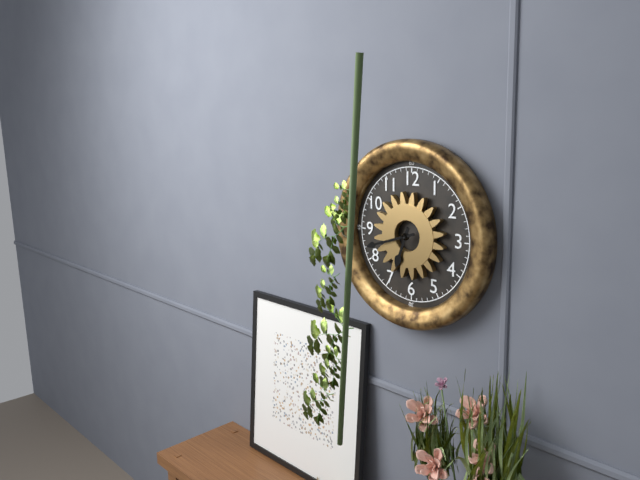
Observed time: **6:42**
